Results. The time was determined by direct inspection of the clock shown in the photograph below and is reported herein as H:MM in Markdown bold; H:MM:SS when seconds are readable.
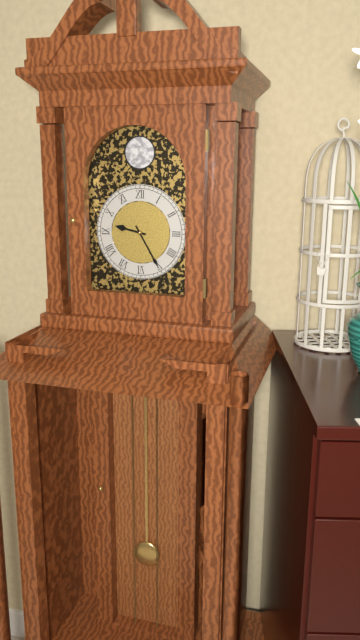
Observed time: **9:25**
